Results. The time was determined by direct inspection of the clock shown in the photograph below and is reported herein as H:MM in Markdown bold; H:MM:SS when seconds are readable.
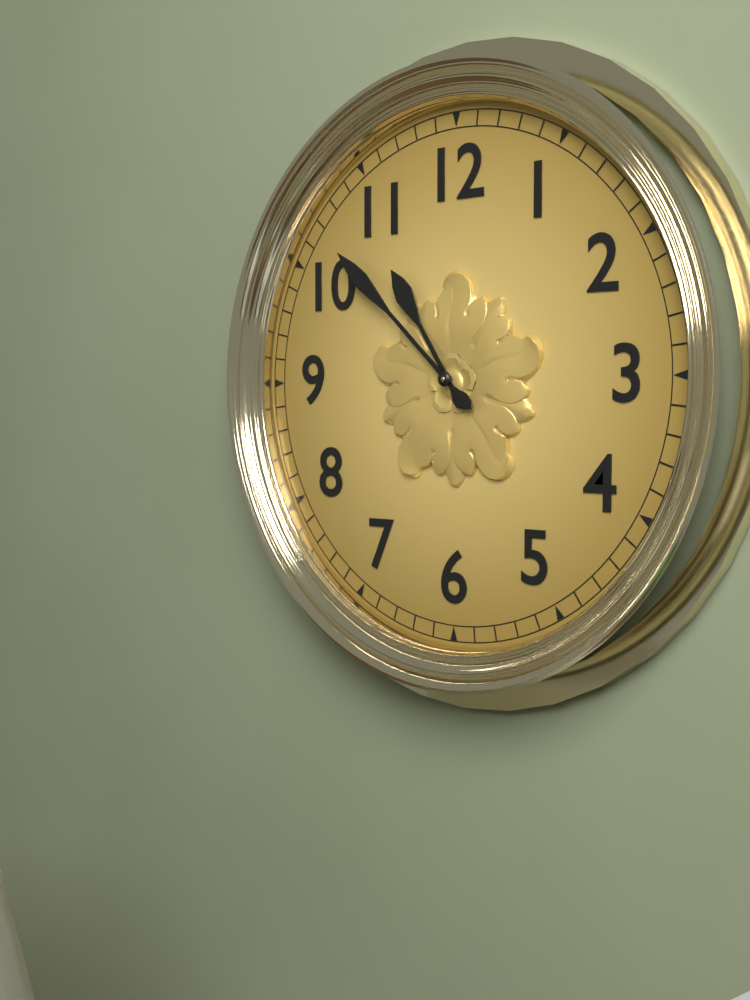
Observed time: **10:52**
